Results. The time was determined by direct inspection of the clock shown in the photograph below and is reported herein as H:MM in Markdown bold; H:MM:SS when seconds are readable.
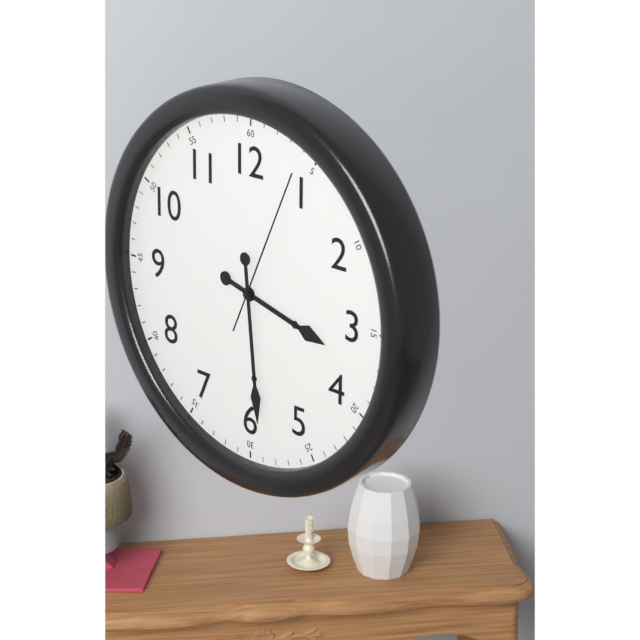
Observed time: **3:29:04**
